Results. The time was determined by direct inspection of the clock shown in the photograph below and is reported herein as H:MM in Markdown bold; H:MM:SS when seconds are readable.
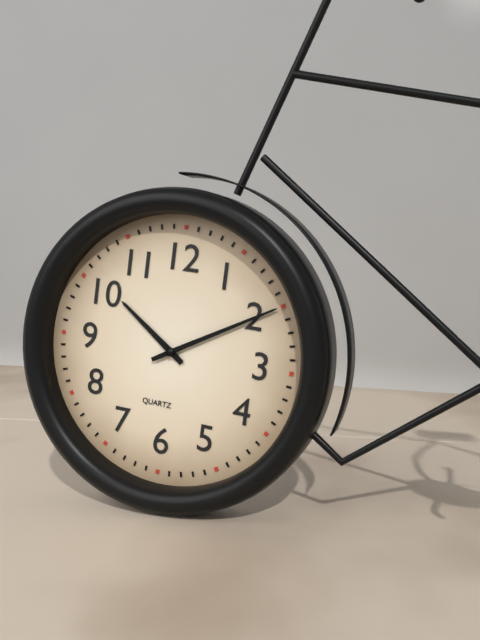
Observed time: **10:10**
